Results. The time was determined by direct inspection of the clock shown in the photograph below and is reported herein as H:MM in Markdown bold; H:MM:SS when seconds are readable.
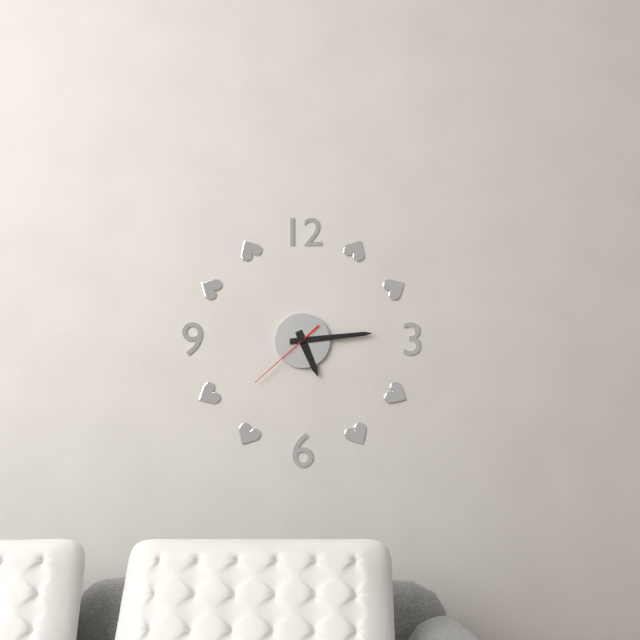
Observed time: **5:14:38**
